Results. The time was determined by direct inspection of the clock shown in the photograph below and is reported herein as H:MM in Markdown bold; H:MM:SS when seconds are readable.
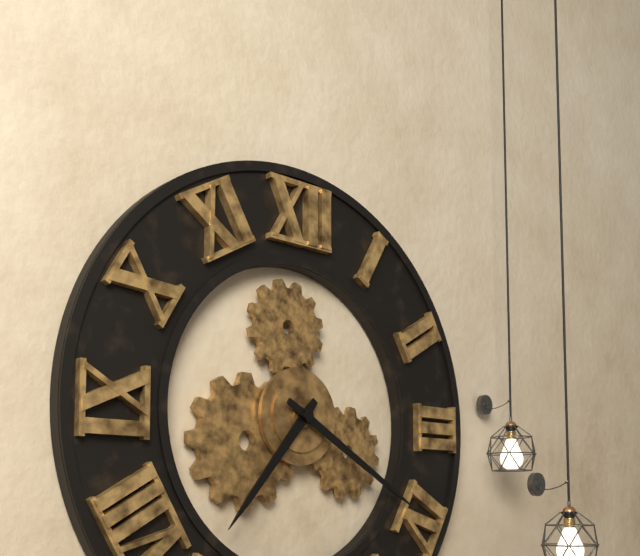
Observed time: **7:20**
